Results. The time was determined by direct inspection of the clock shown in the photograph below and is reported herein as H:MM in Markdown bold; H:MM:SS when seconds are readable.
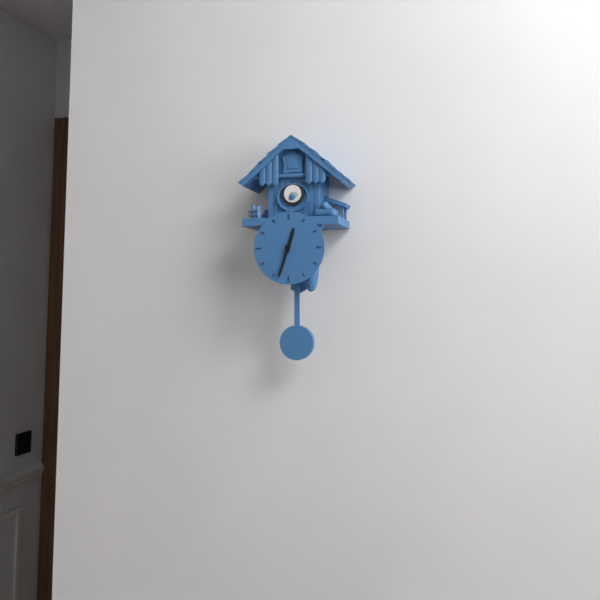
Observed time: **12:33**
